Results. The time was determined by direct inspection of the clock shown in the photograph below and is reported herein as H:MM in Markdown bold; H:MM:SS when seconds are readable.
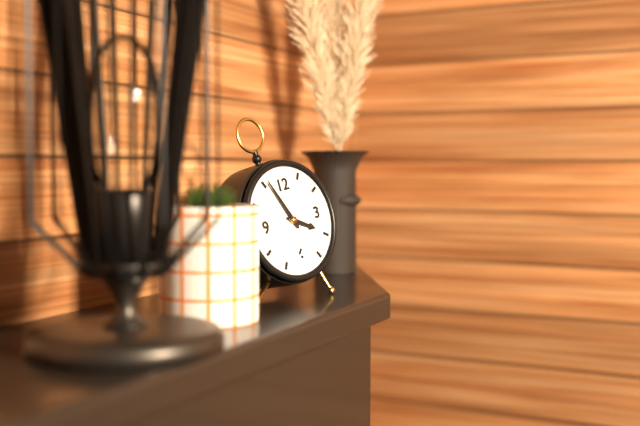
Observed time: **3:56**
